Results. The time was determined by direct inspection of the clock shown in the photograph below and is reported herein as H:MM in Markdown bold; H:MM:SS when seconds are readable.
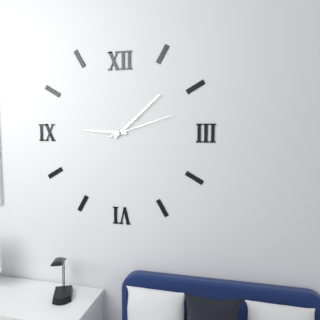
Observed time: **9:08:12**
